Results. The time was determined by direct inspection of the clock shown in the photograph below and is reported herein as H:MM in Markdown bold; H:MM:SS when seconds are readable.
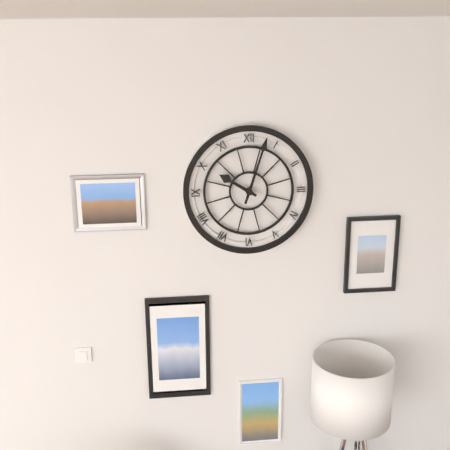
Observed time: **10:03**
